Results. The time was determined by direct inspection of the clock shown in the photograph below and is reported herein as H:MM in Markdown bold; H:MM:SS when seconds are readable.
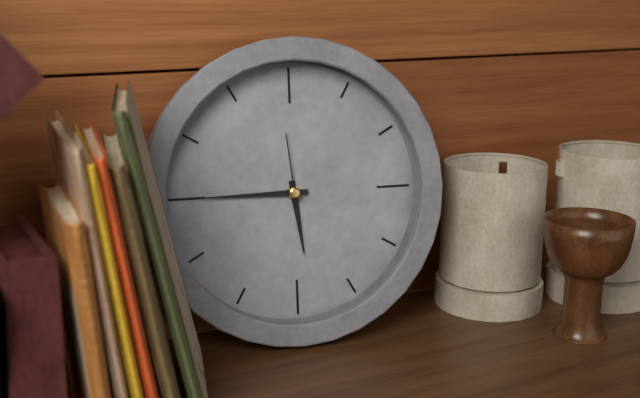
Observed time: **5:45:59**
